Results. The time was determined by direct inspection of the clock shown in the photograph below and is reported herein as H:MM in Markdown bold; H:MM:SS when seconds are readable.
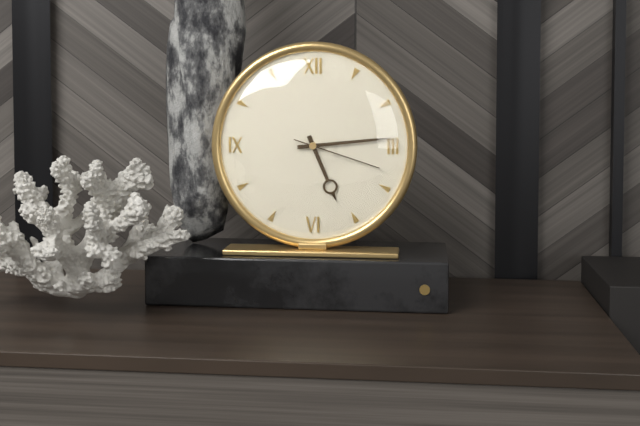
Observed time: **5:14:18**
